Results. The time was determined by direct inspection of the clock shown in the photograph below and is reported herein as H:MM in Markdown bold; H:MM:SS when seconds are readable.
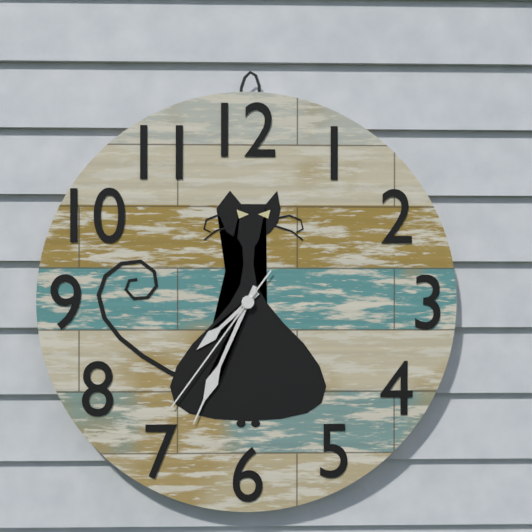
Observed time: **7:34:36**
